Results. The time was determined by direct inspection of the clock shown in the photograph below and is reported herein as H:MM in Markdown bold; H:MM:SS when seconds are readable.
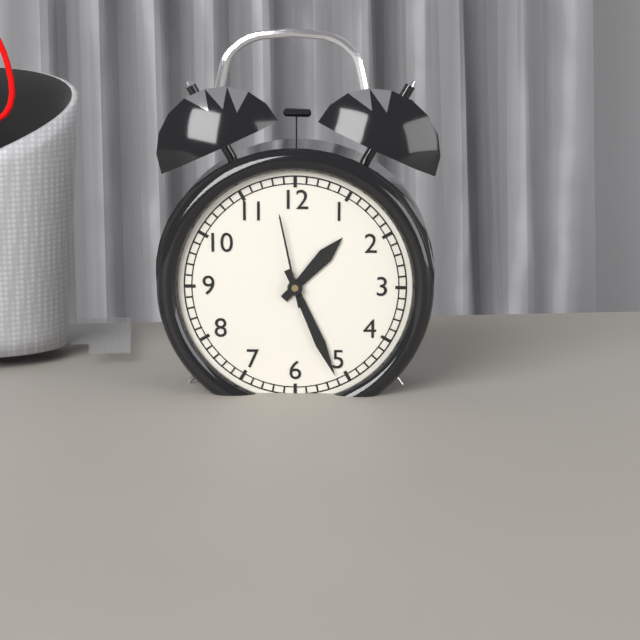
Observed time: **1:26:58**
